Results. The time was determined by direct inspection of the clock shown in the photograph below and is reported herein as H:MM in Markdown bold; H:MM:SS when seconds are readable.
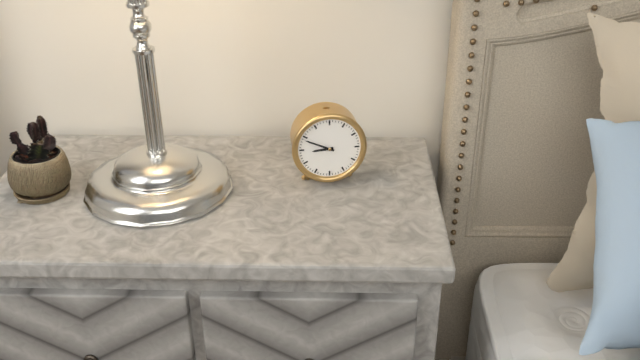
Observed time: **8:49**
